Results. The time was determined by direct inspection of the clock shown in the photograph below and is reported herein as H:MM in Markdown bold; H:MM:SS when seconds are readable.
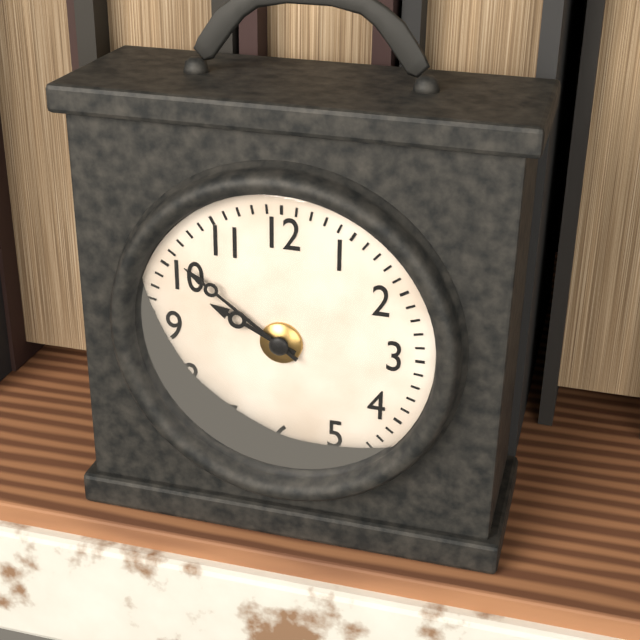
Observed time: **9:51**
